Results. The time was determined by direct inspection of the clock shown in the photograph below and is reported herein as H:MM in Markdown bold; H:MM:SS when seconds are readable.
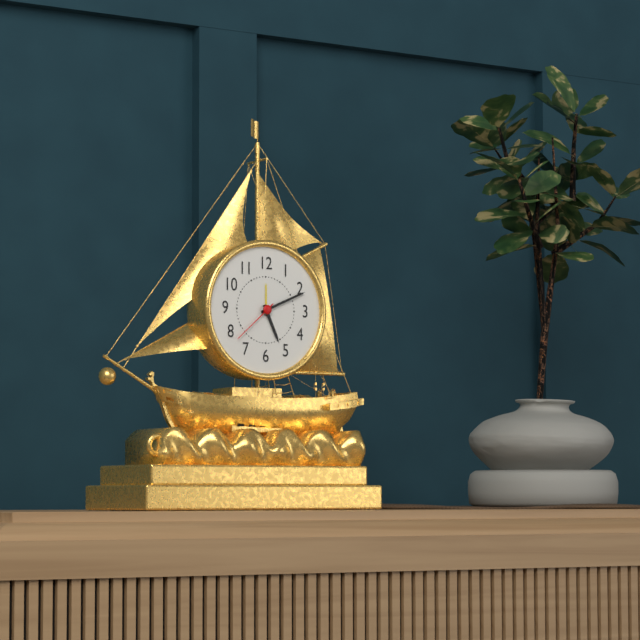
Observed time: **5:11:38**
